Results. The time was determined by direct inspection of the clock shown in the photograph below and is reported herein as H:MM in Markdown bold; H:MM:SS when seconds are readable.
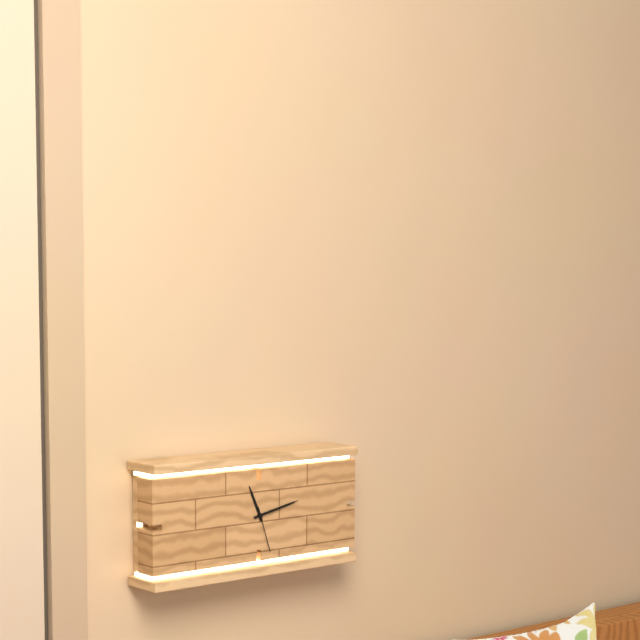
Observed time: **11:13:27**
